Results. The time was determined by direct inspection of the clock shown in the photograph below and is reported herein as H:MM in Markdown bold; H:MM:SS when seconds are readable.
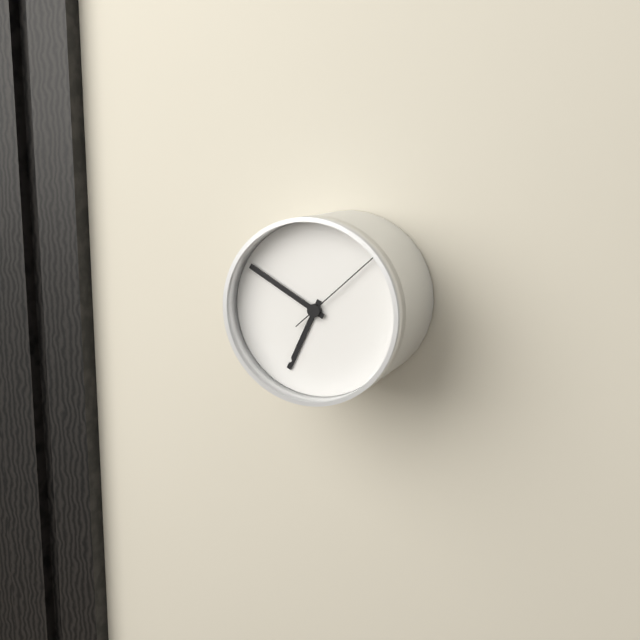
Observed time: **6:50:08**
